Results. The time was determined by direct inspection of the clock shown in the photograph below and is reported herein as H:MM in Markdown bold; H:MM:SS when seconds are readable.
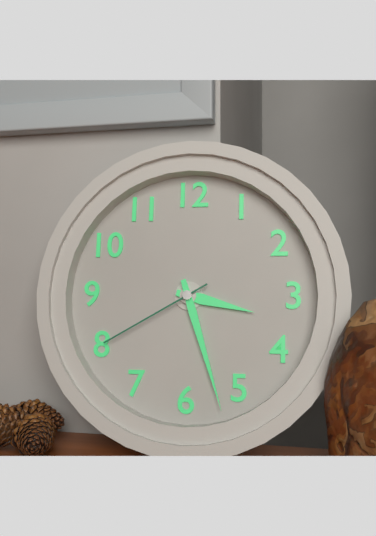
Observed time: **3:27:40**
